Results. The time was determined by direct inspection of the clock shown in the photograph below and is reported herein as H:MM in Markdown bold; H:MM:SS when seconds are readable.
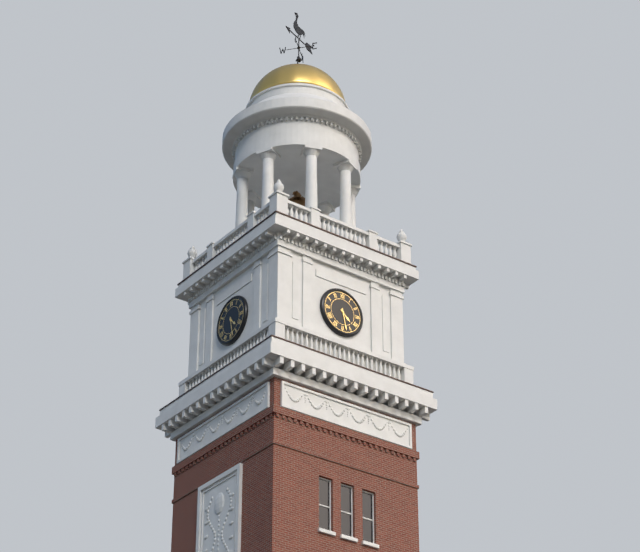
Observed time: **4:28**
